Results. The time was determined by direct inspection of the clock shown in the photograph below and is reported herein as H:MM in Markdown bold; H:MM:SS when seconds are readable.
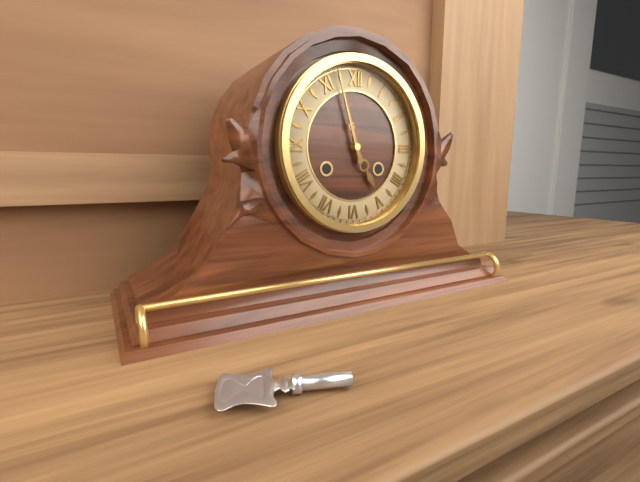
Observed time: **4:57**
